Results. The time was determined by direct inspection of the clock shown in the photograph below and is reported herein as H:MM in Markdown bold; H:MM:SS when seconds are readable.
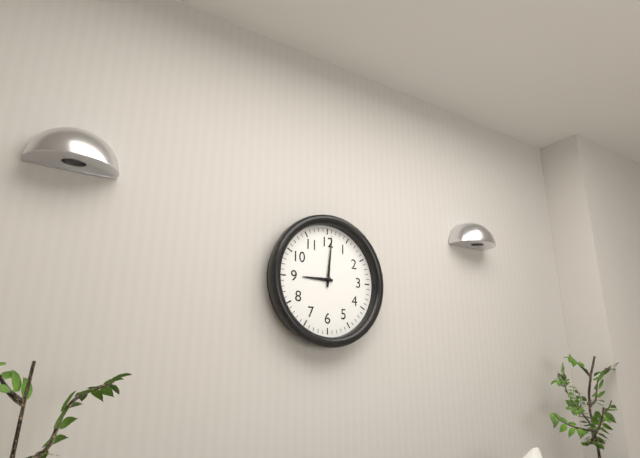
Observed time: **9:01**
